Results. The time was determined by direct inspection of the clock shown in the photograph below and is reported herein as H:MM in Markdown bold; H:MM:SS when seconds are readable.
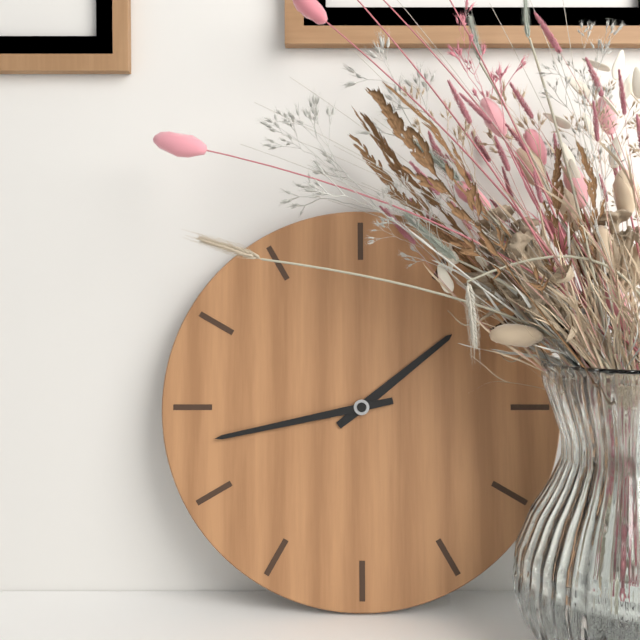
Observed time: **1:43**
